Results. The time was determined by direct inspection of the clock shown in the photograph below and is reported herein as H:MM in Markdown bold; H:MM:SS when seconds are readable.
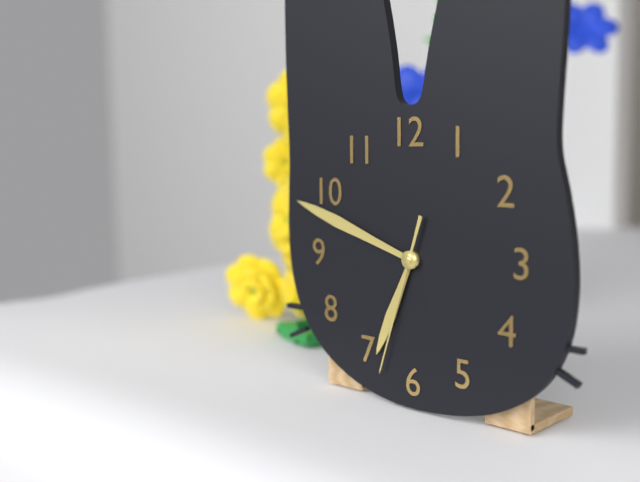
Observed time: **6:48:33**
